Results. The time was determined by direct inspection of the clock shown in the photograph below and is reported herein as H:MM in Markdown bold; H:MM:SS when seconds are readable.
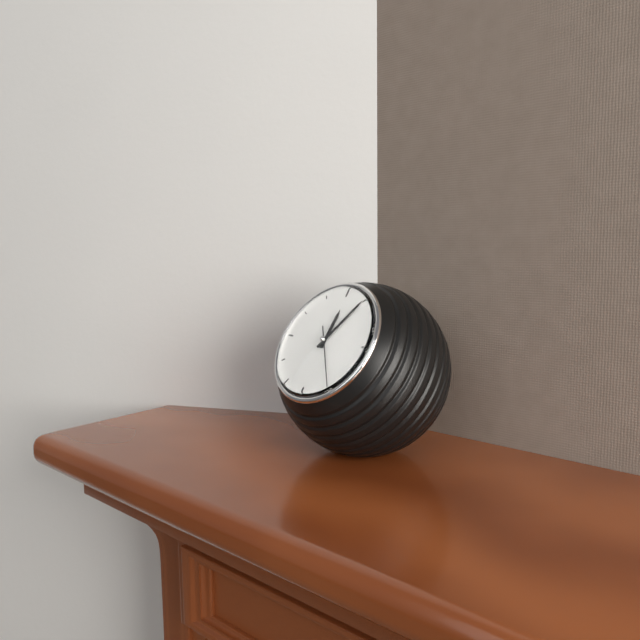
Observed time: **12:05**
